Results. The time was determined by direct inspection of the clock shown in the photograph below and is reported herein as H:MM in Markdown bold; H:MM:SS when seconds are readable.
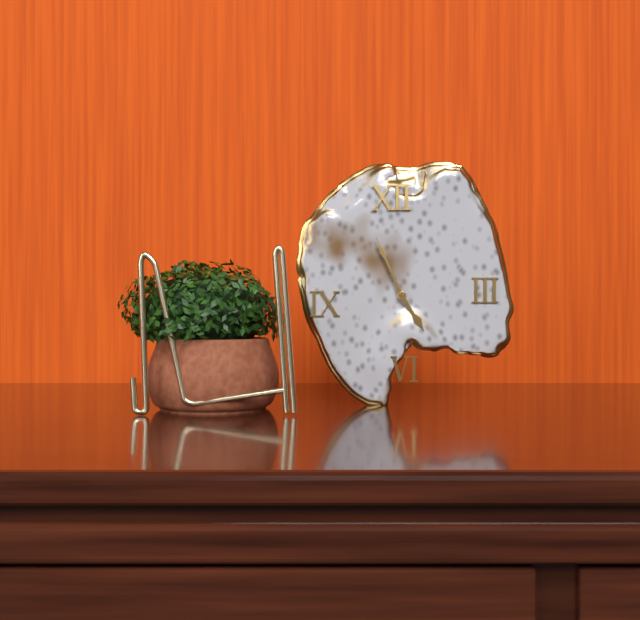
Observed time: **4:56**
